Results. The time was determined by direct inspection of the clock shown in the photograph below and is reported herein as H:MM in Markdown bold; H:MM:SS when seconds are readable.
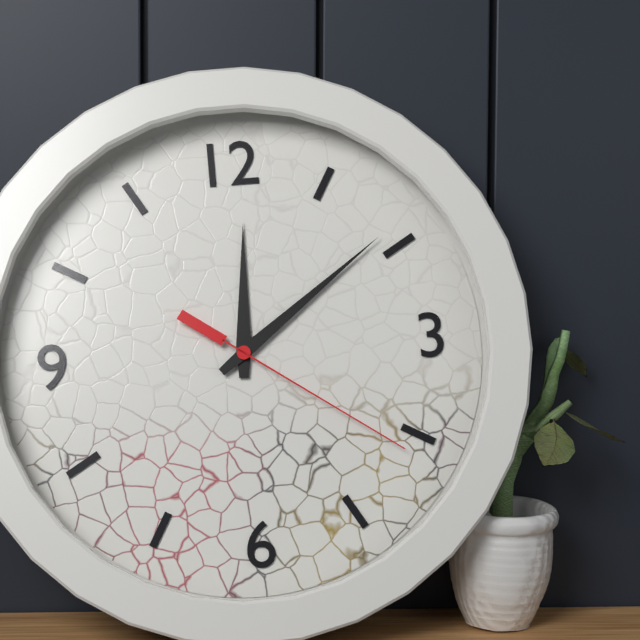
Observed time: **12:09:21**
